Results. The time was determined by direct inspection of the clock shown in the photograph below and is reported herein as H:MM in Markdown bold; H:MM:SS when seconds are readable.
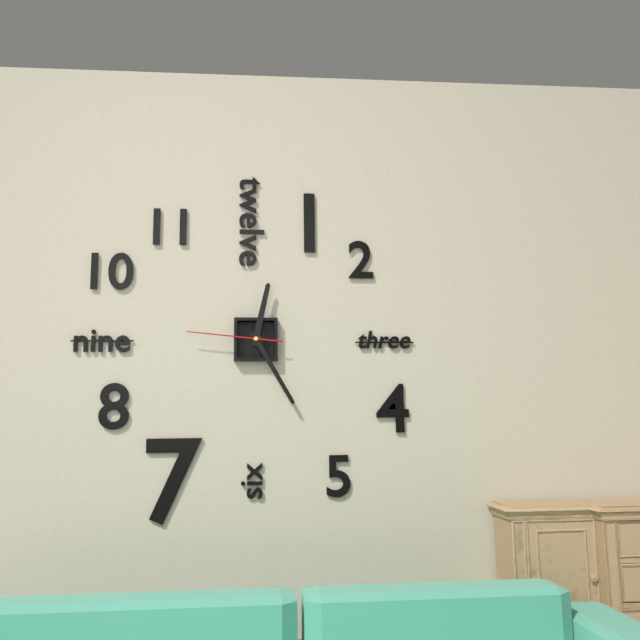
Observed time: **12:25:46**
